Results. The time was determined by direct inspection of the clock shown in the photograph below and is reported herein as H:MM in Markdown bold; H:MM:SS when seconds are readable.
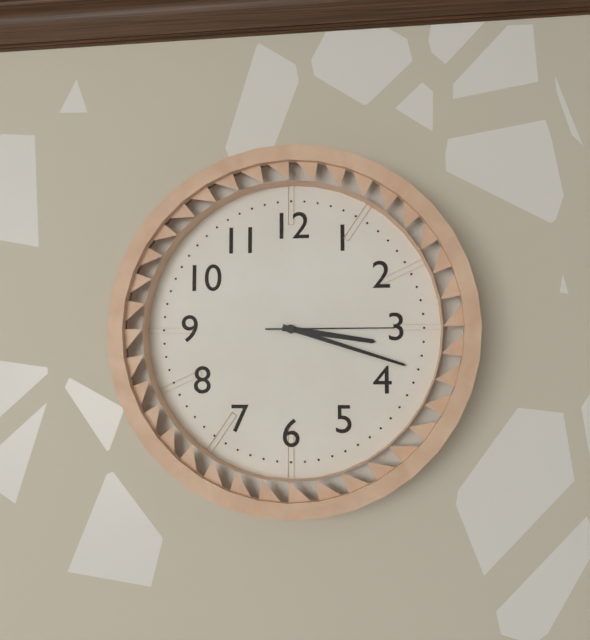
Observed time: **3:18:15**
